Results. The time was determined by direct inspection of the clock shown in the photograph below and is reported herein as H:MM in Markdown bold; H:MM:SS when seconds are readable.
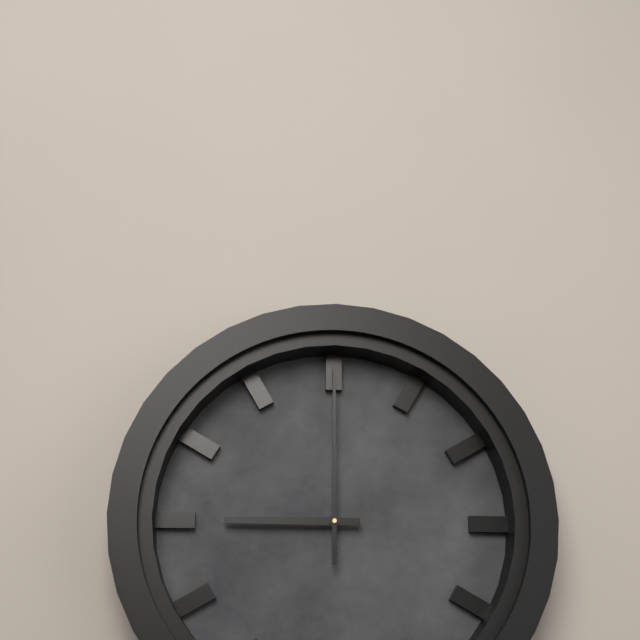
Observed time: **9:00**
